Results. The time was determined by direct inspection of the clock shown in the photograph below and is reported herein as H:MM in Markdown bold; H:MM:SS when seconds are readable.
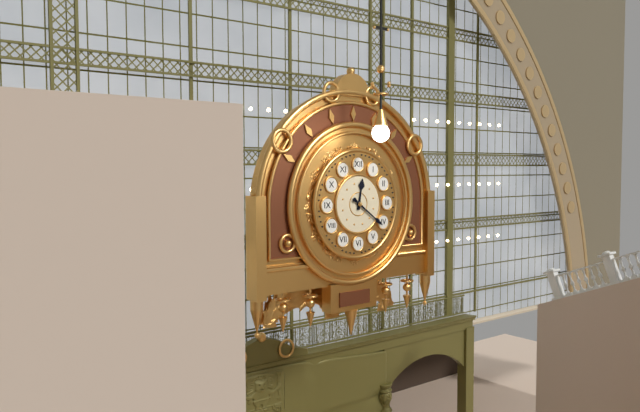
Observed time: **12:21**
